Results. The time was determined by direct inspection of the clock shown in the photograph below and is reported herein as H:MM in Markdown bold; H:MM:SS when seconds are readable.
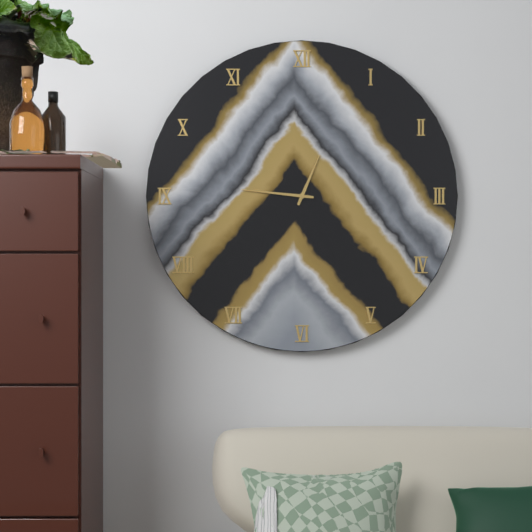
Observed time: **12:46**
